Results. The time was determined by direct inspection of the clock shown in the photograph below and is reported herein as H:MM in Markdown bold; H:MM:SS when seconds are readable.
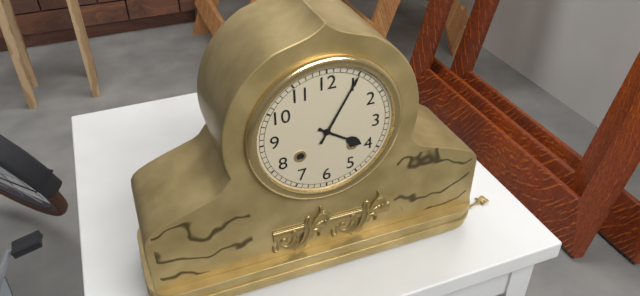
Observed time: **4:05**
